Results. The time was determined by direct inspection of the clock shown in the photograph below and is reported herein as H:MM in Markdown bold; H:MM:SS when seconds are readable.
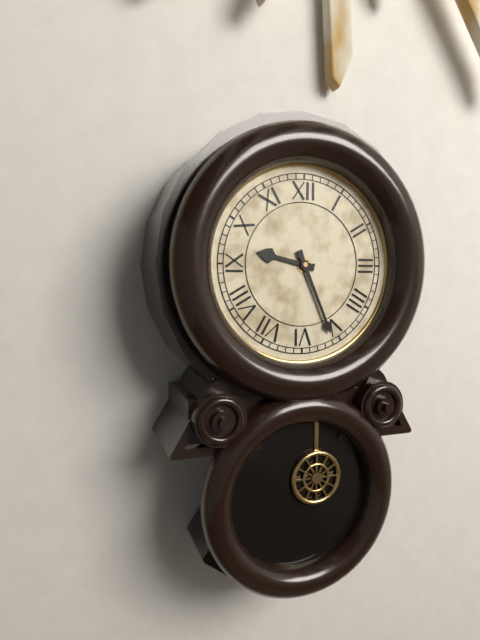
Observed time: **9:26**
